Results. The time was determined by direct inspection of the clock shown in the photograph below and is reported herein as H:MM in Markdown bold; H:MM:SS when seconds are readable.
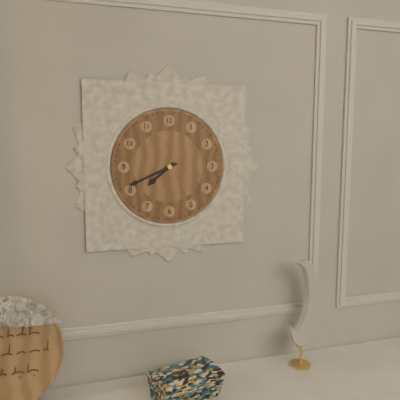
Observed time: **7:41**
